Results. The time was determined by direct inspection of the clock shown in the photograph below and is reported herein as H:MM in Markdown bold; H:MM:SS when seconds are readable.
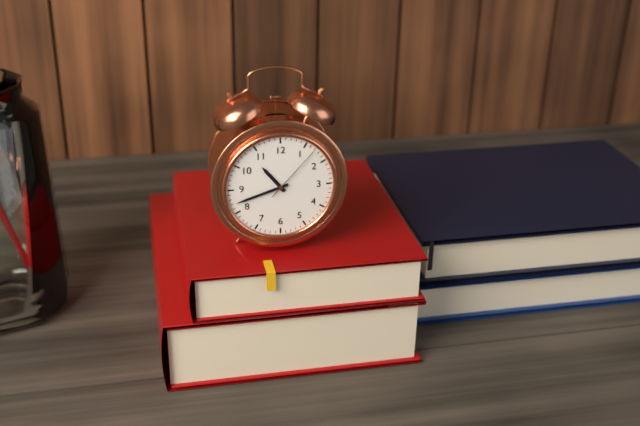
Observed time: **10:42:07**
